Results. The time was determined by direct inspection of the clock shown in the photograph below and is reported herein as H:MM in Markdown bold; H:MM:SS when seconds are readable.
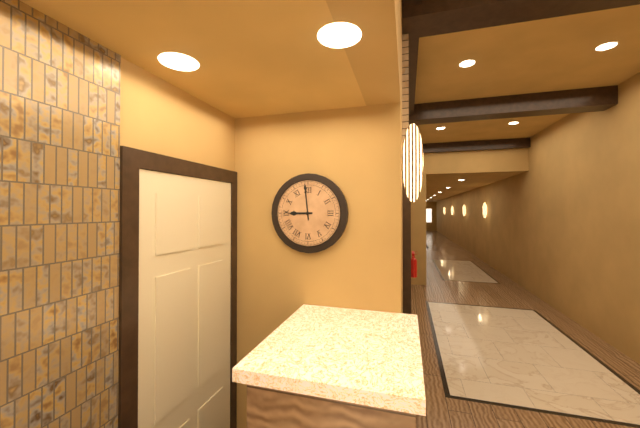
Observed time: **8:59**
